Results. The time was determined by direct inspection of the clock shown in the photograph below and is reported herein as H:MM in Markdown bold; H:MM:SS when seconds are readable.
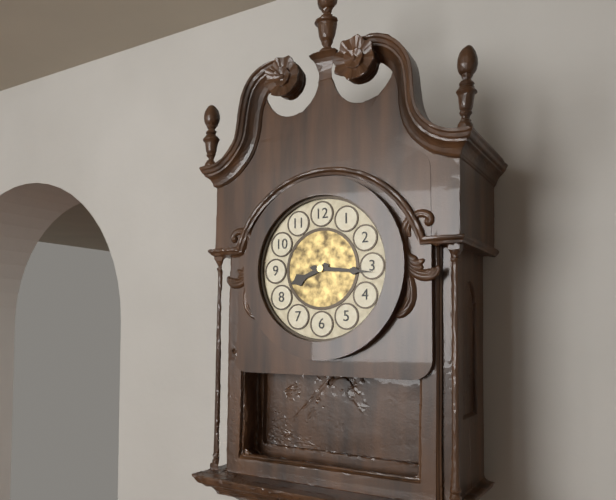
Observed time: **8:16**
